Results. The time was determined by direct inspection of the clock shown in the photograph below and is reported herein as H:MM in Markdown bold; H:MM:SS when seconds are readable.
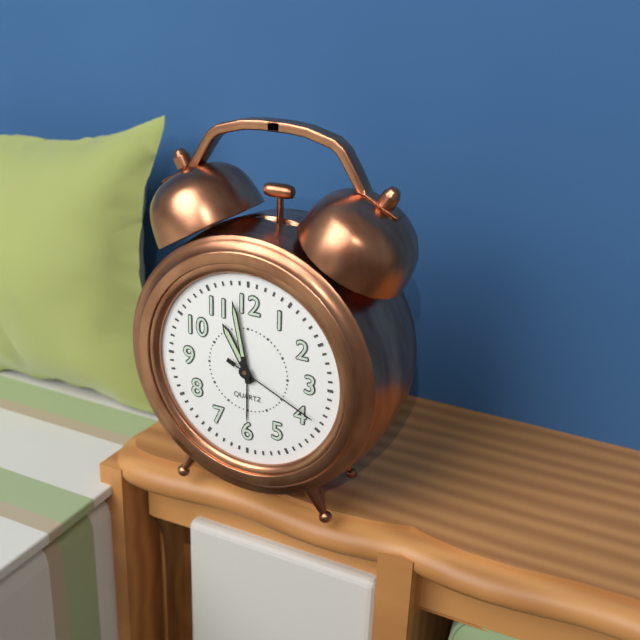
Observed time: **10:58:19**
